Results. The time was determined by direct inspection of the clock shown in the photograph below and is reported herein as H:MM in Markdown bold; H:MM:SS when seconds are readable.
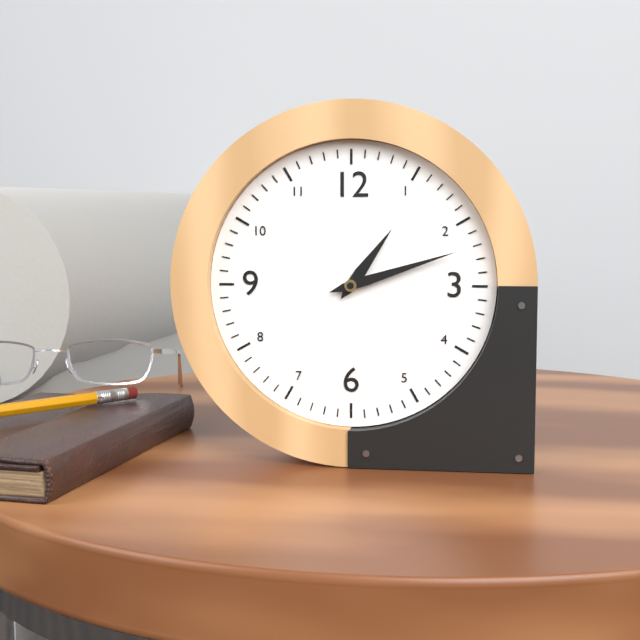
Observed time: **1:12**
